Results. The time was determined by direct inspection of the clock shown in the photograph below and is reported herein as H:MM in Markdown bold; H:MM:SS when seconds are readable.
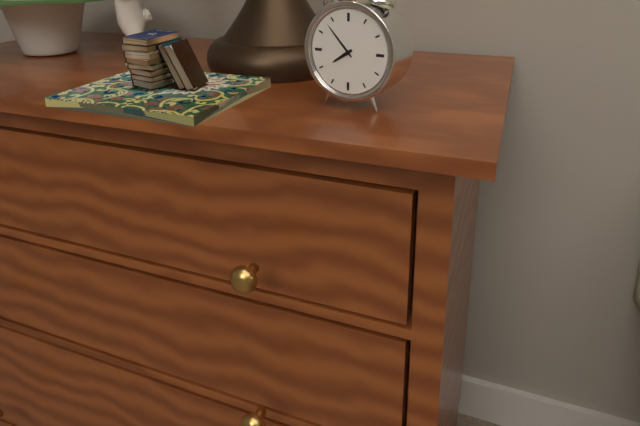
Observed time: **7:53**
